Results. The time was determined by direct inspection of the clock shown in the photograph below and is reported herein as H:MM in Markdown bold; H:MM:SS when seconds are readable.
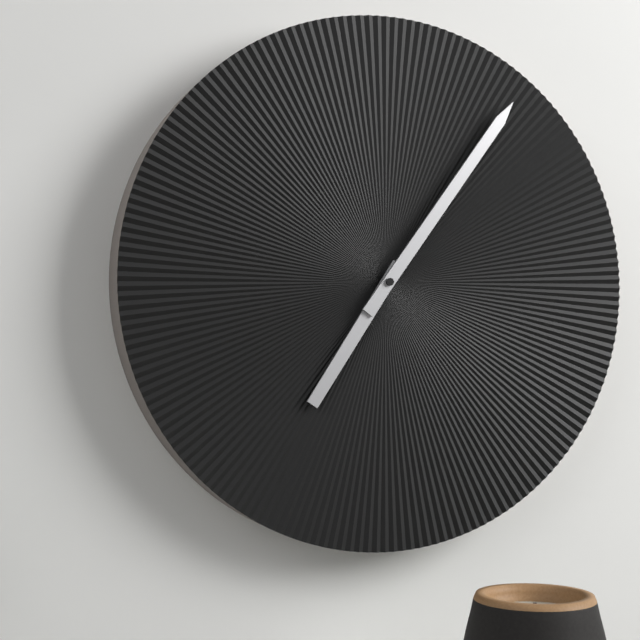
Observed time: **7:06**
